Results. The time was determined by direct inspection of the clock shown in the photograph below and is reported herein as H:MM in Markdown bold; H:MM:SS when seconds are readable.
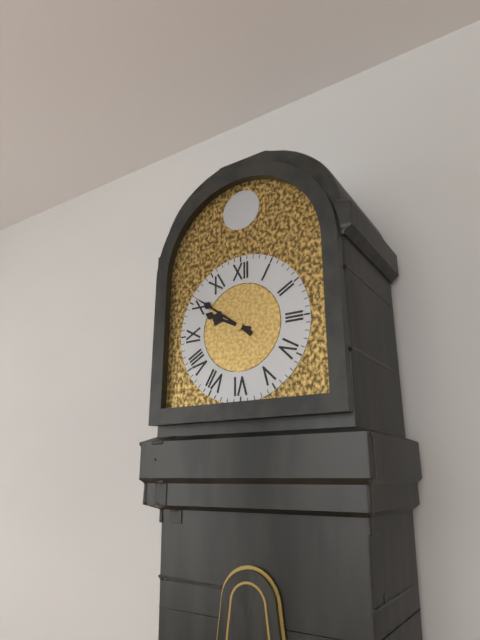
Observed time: **9:51**
